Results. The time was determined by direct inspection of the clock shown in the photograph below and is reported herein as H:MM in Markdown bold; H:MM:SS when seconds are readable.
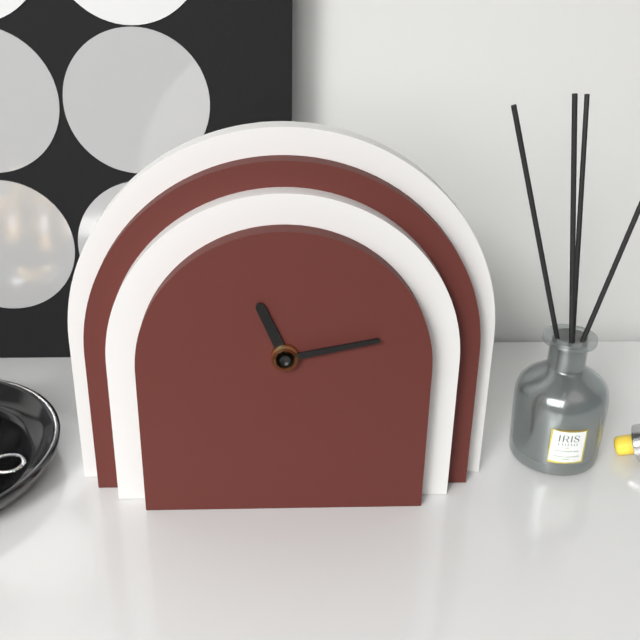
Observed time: **11:13**
